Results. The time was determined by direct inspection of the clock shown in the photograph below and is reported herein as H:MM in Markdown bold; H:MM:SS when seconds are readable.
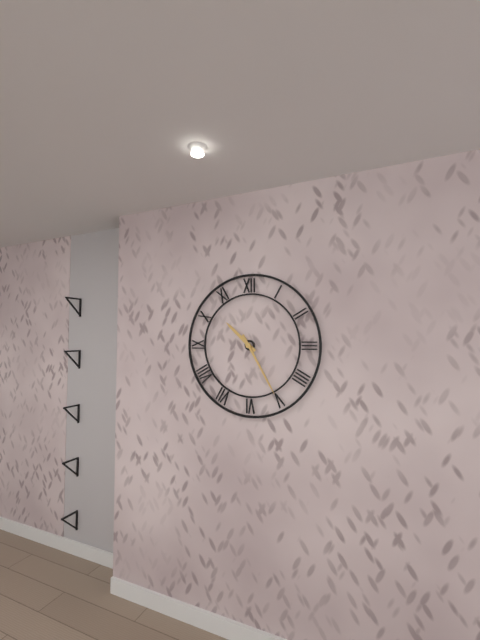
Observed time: **10:25**
